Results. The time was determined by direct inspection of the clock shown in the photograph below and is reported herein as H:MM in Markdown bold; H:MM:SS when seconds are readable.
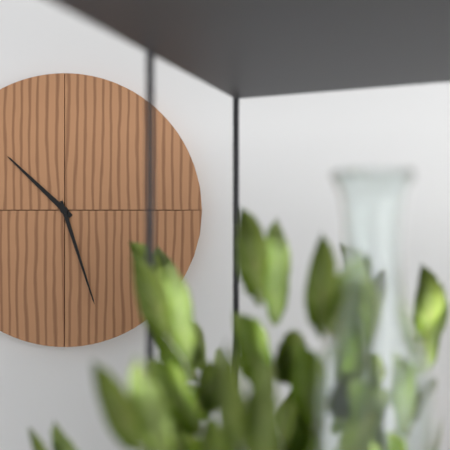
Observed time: **10:27**
